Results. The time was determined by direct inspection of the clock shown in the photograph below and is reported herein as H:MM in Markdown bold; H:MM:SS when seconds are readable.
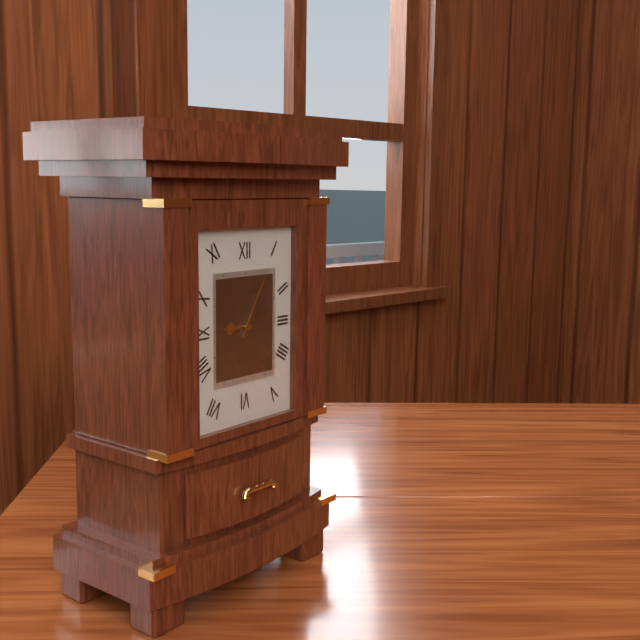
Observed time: **9:05**
